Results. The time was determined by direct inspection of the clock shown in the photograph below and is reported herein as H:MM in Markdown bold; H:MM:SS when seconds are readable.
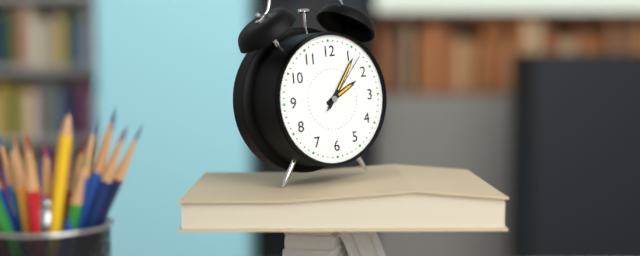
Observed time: **2:06:07**
